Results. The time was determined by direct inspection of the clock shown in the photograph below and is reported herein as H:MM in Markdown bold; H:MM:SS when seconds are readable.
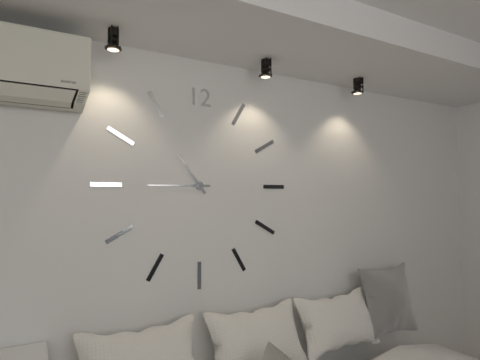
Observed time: **10:45**
